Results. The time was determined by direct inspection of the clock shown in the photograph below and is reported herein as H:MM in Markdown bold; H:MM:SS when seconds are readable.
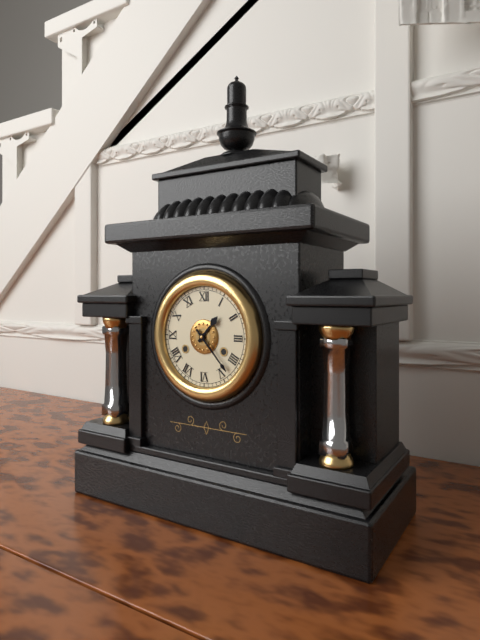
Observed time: **1:23**
